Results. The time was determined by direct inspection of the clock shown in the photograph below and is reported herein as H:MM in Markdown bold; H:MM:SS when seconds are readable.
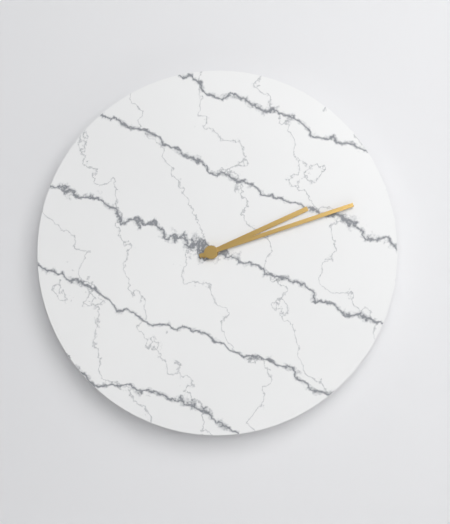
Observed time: **2:12**
